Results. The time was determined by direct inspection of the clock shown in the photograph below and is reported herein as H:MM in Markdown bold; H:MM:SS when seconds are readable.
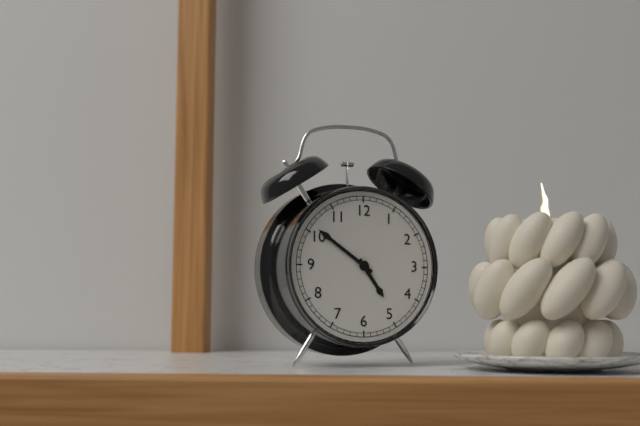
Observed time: **4:51**
